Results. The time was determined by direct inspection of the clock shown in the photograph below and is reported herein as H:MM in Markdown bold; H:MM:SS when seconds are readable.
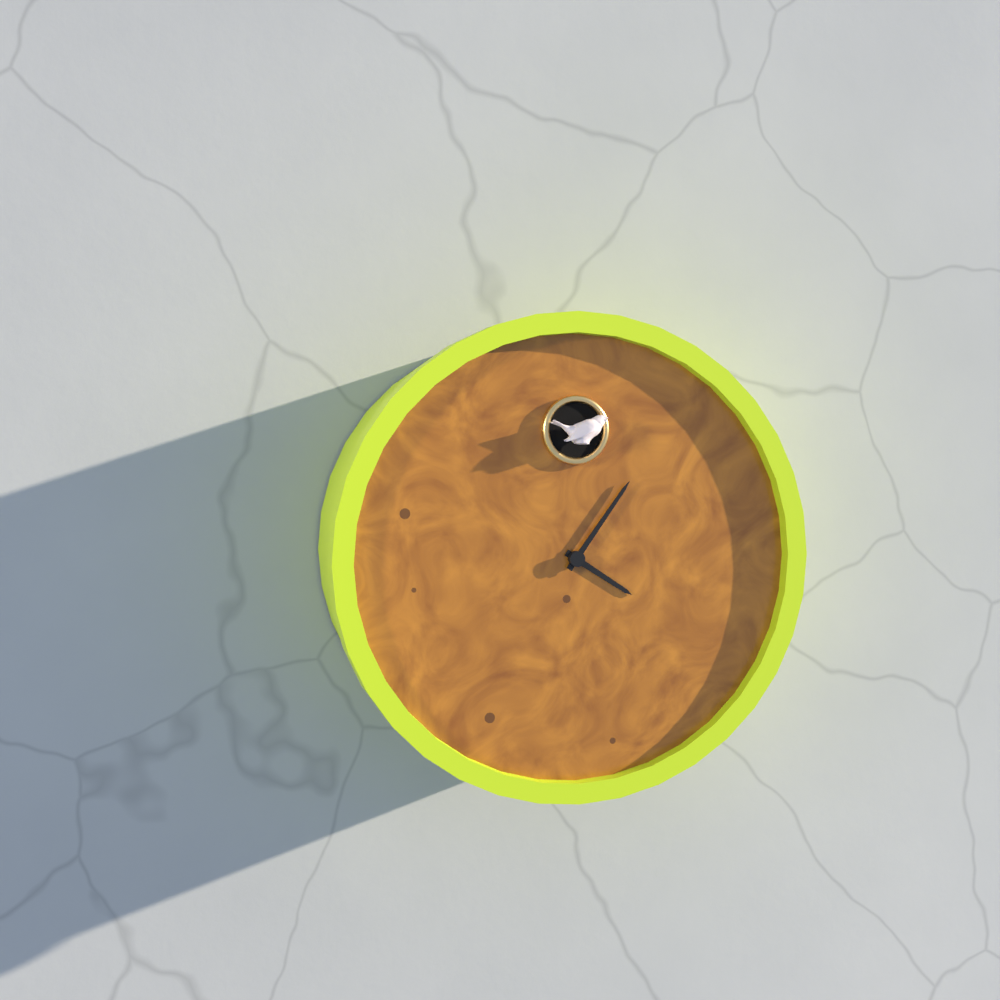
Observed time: **4:06**
